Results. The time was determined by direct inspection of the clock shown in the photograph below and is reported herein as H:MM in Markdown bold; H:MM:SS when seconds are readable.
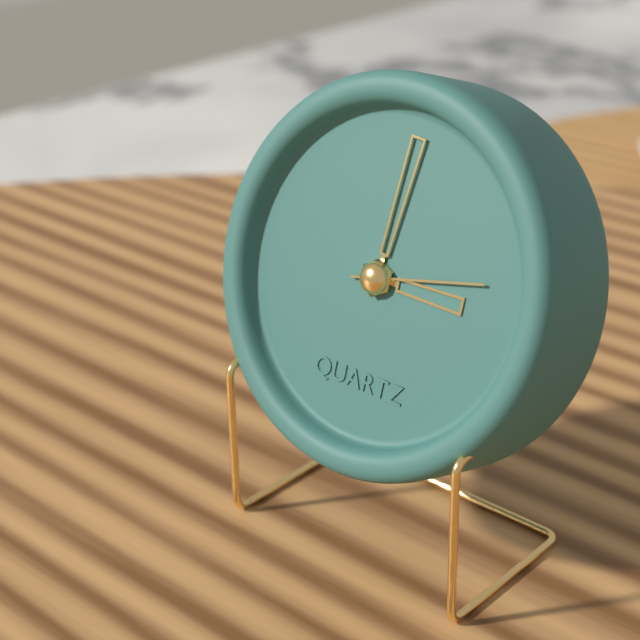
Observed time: **3:01:13**
